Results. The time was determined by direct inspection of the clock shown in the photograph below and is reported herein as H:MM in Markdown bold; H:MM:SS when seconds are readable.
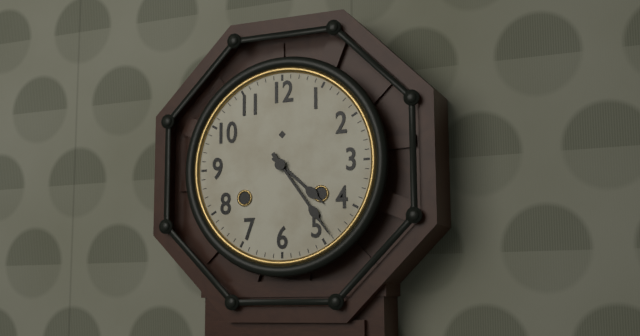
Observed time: **4:24**
